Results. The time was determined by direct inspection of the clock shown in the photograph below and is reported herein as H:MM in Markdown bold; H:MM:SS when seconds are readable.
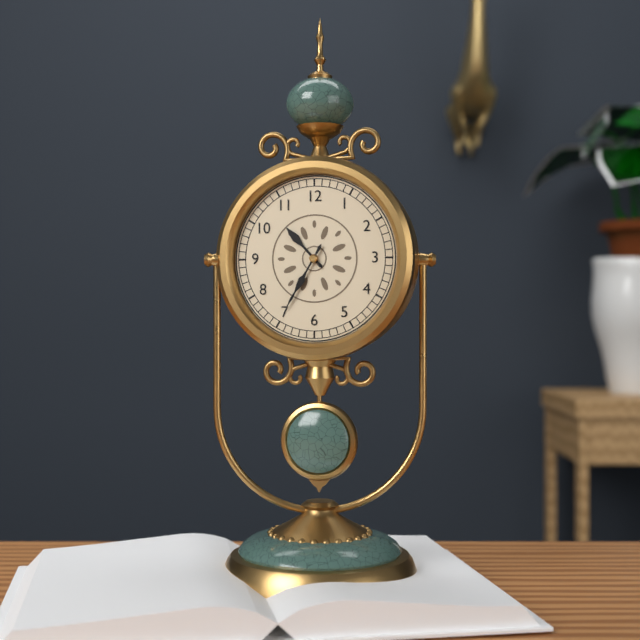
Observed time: **10:35**
